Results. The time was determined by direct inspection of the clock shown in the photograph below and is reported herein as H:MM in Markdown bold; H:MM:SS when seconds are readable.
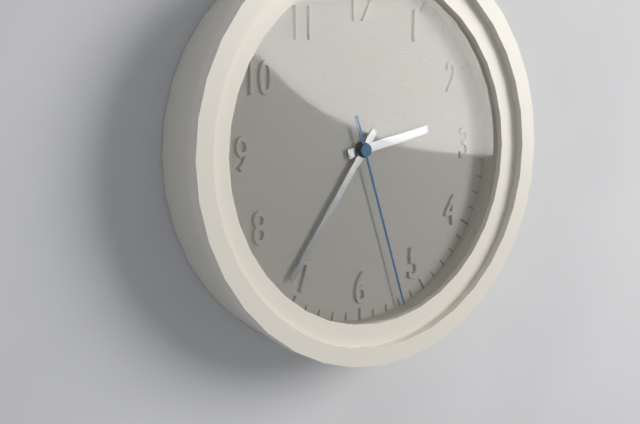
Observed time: **2:36:27**
